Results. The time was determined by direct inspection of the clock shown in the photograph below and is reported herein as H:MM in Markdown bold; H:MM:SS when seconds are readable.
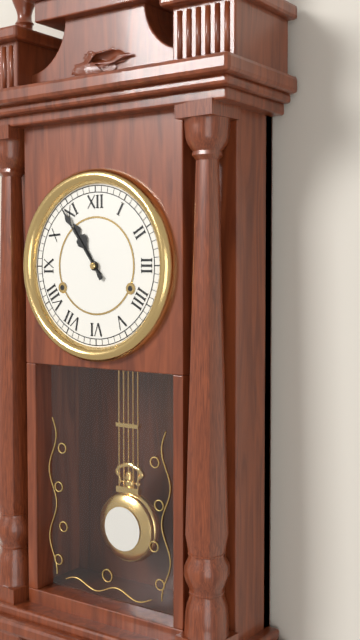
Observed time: **10:54**
